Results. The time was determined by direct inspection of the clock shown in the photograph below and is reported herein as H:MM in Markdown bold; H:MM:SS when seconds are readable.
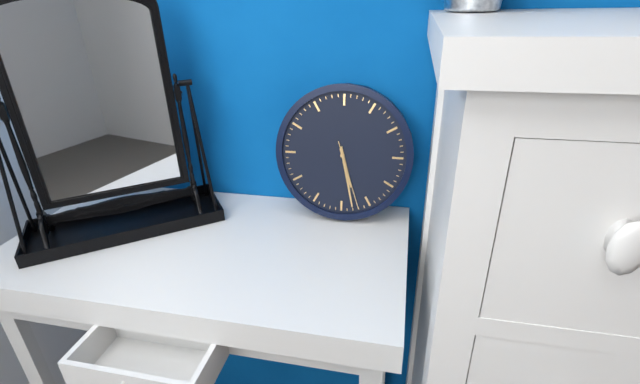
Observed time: **5:28:27**
